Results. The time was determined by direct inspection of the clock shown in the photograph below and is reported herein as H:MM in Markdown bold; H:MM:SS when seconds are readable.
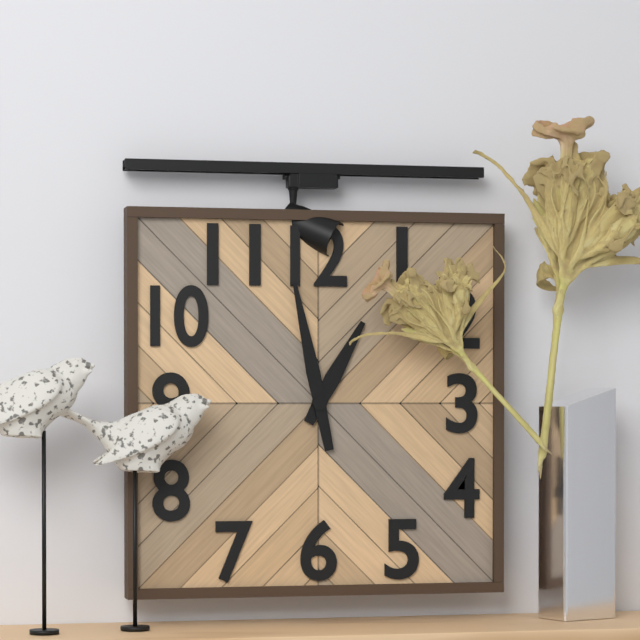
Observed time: **12:58**
